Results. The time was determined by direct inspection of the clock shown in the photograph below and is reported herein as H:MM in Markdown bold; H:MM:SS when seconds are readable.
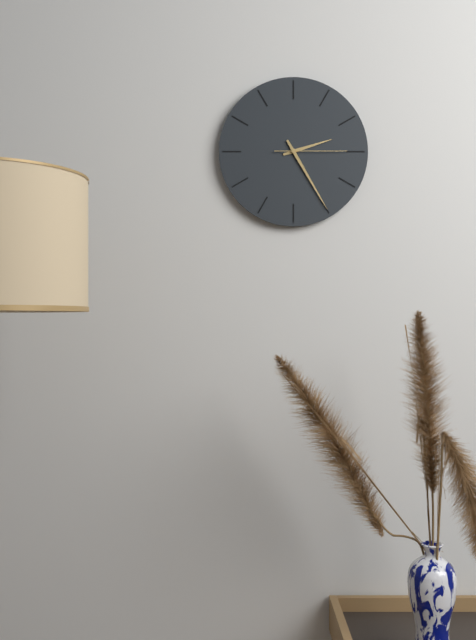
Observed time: **2:25:15**
